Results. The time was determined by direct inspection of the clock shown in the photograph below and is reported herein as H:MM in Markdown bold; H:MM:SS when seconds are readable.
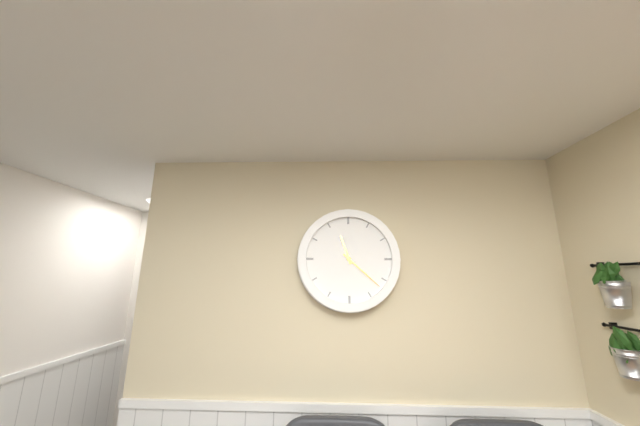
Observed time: **11:22**
